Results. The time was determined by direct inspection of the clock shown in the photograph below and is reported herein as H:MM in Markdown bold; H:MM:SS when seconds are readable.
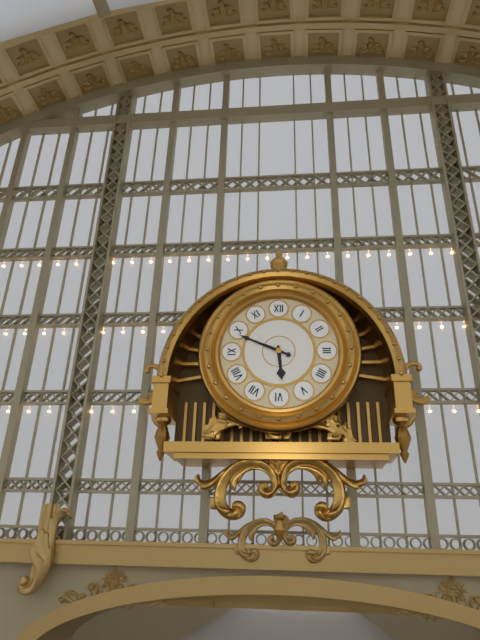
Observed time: **5:49**
